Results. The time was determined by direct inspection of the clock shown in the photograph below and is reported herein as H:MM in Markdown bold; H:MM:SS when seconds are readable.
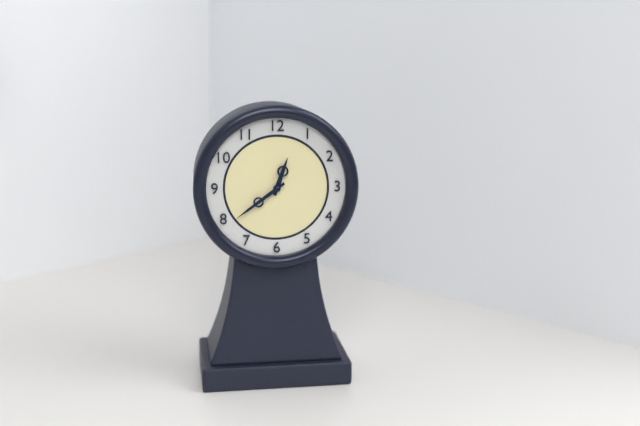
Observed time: **12:39**
